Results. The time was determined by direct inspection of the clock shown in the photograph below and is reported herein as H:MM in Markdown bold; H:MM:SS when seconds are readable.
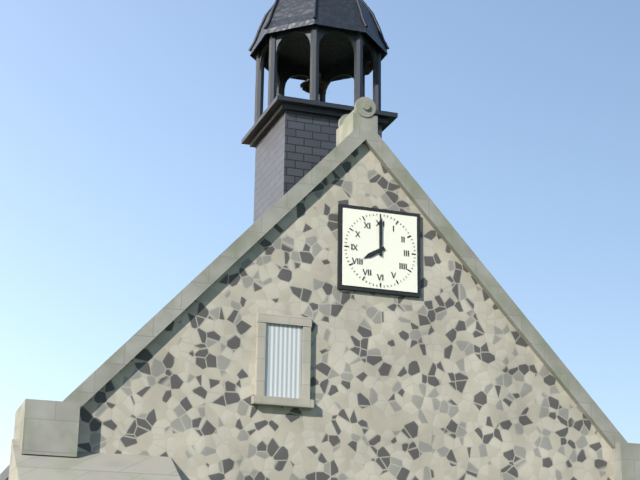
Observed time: **8:00**
